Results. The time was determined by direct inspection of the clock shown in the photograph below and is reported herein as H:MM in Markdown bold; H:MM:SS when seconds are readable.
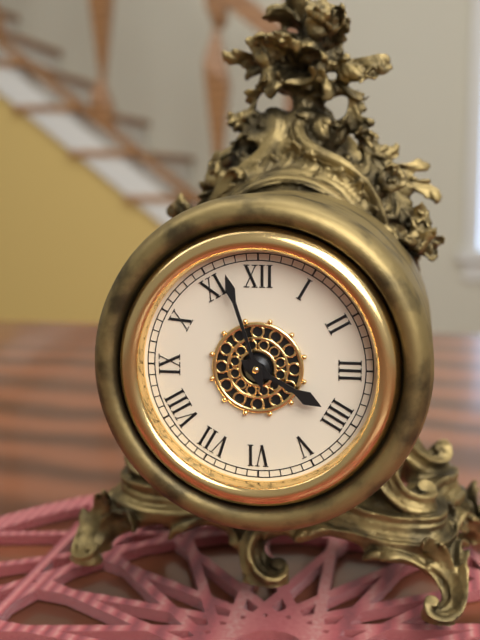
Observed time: **3:57**
